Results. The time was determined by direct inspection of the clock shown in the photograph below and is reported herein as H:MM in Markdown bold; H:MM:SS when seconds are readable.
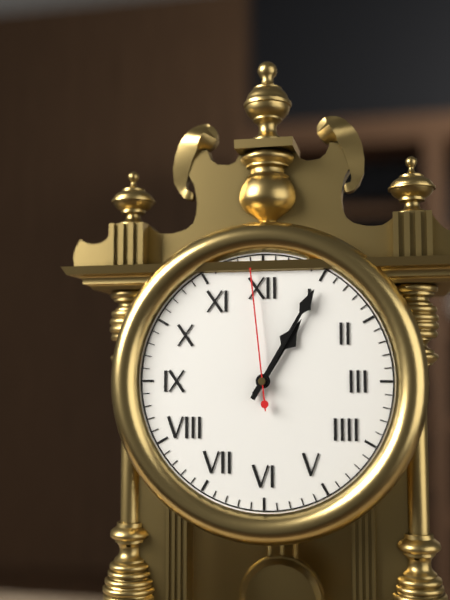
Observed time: **1:05:59**
